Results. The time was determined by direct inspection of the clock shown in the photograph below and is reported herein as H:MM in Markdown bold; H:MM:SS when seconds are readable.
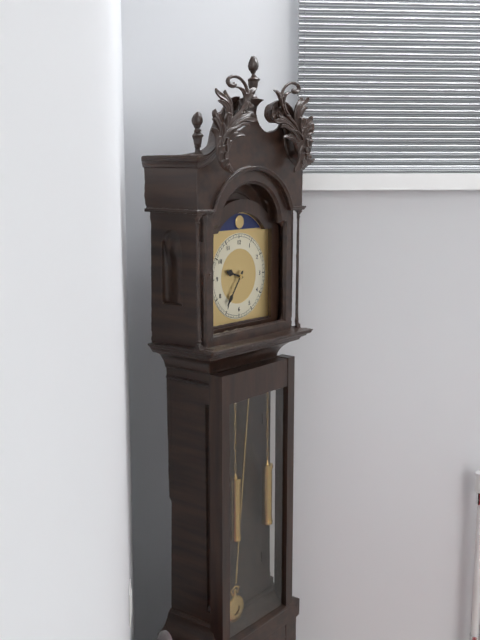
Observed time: **9:36**
